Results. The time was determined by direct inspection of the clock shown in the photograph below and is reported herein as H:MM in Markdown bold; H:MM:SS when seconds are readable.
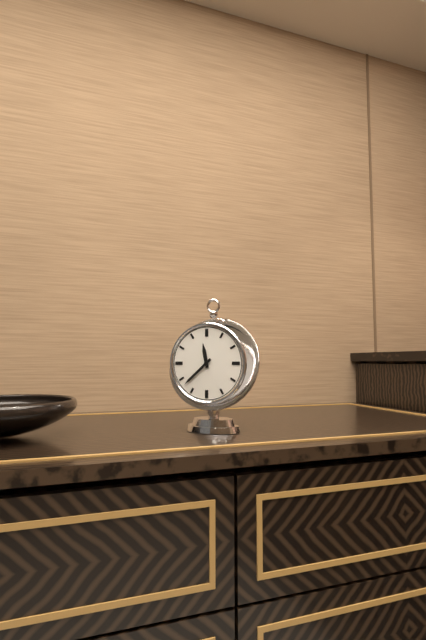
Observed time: **11:38**
